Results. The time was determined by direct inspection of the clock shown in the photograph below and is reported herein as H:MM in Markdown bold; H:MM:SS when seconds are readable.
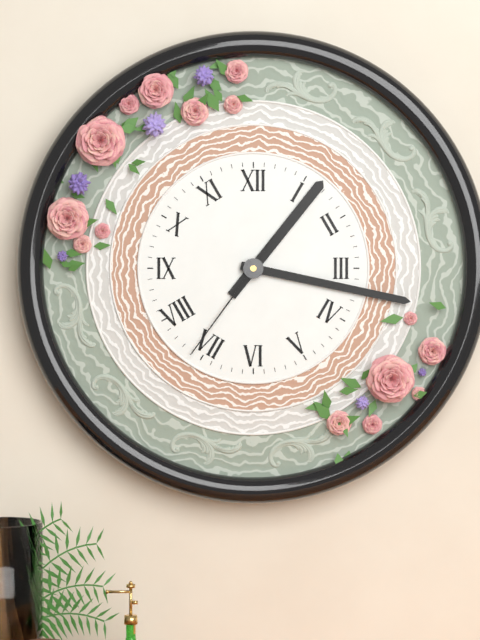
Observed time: **1:17:36**
